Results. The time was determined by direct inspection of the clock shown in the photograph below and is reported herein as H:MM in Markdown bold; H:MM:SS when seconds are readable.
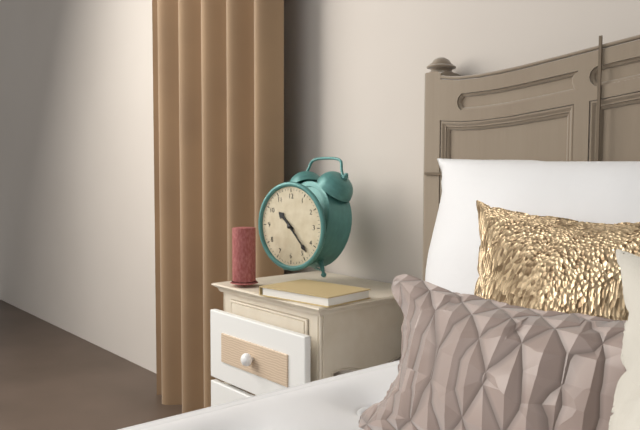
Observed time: **10:23**
